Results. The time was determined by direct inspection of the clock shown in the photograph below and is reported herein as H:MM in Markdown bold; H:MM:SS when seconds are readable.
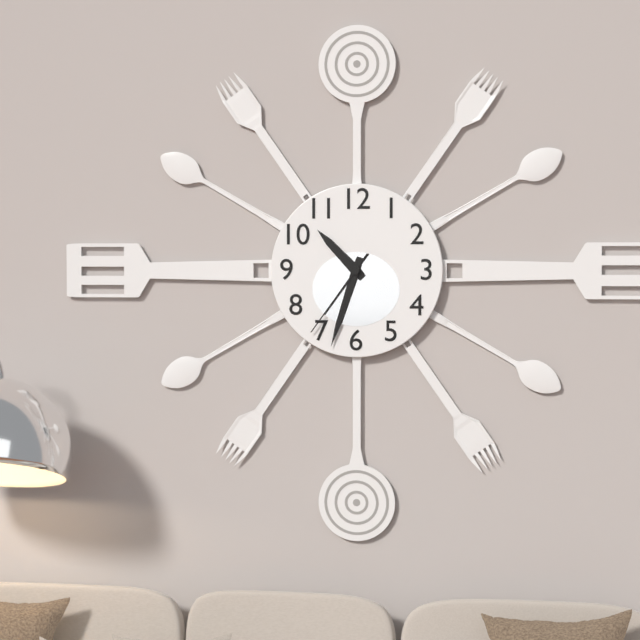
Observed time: **10:33:36**
